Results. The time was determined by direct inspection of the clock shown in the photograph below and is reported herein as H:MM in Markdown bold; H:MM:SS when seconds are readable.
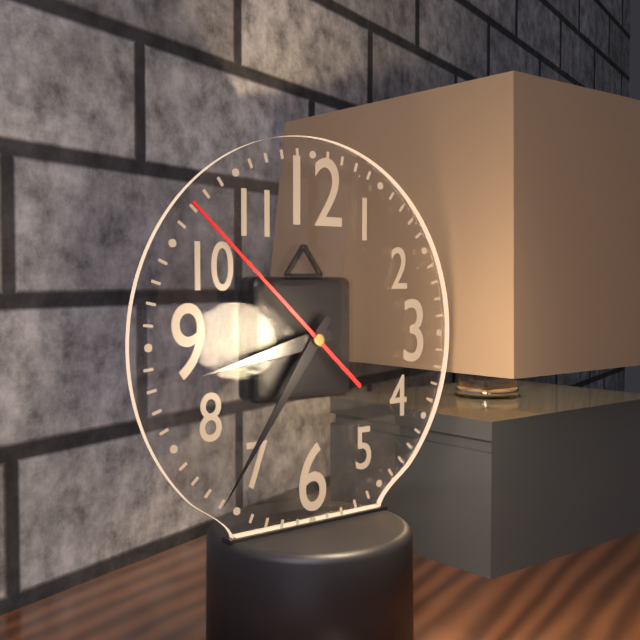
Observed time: **8:36:52**
